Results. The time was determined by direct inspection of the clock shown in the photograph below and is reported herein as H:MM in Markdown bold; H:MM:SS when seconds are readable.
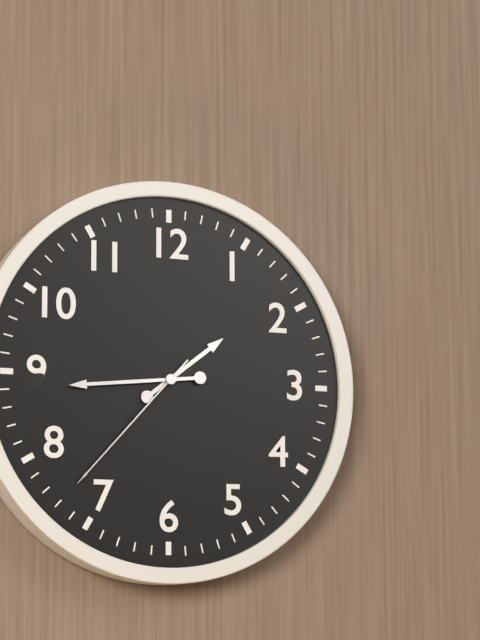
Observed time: **1:44:37**
